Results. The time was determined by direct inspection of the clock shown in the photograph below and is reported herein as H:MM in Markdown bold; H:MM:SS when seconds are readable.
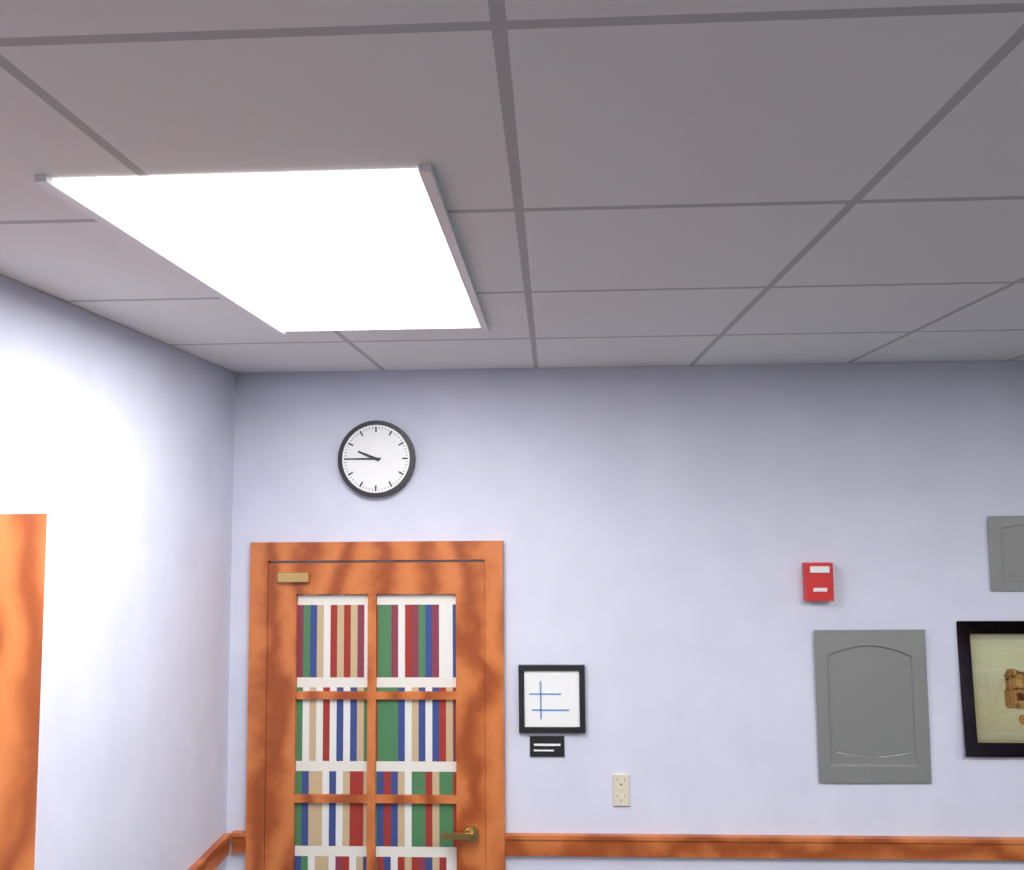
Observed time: **9:45**
